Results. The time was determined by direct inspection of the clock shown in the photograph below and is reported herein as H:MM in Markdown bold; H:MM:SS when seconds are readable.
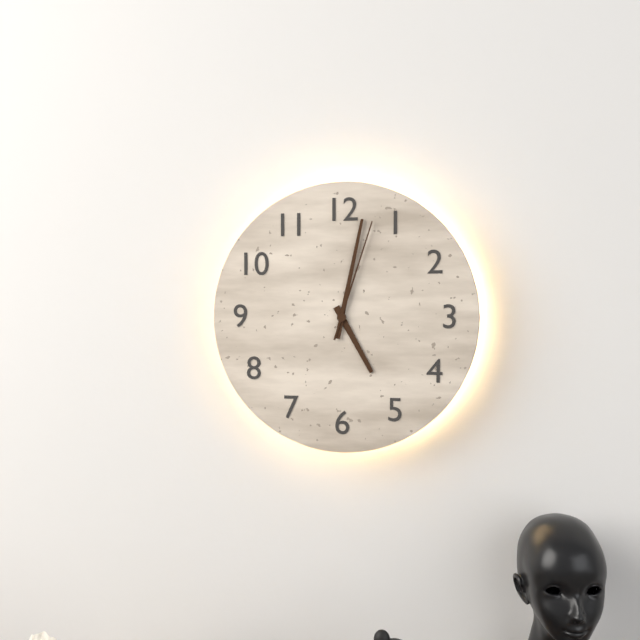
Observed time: **5:02:03**
